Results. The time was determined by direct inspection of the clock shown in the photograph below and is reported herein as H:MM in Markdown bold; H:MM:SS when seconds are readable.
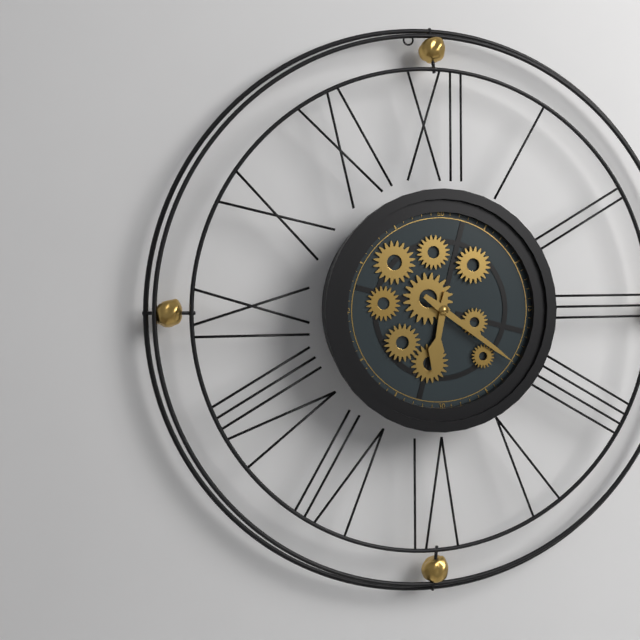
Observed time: **6:21**
